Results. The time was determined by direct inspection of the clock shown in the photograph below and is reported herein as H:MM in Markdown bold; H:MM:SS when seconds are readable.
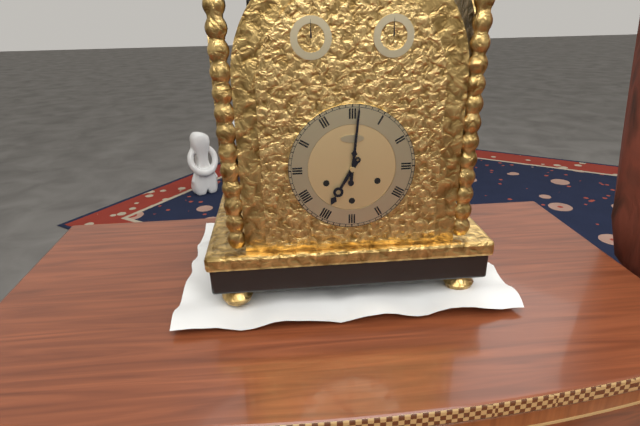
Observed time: **7:01**
